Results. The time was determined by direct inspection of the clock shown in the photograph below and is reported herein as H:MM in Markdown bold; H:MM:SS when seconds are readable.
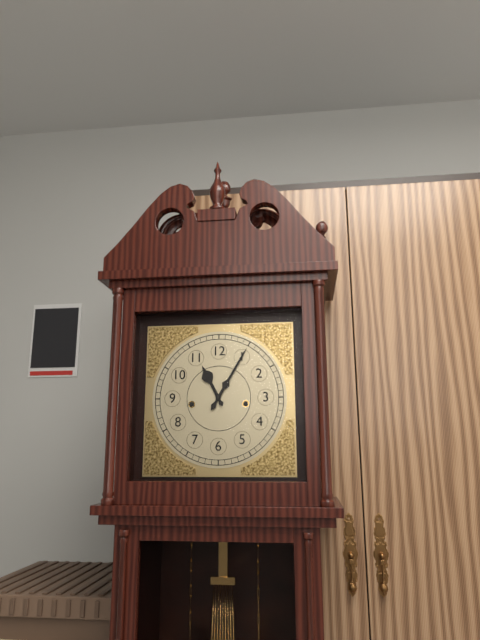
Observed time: **11:05**
